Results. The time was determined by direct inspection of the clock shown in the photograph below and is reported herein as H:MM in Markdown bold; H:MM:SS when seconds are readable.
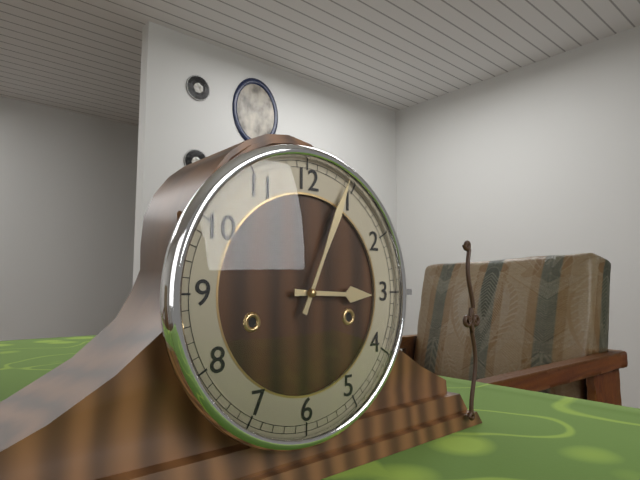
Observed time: **3:04**
